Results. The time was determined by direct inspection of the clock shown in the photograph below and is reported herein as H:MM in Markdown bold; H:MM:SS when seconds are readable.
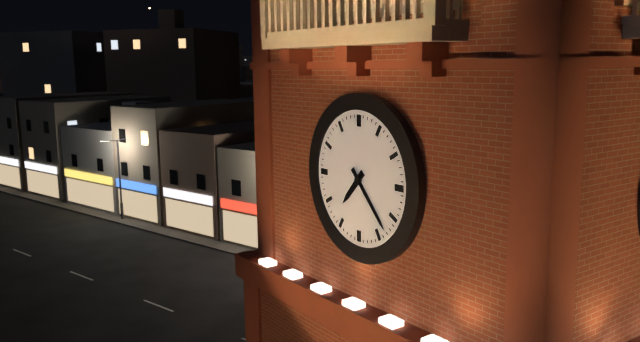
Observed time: **7:23**
